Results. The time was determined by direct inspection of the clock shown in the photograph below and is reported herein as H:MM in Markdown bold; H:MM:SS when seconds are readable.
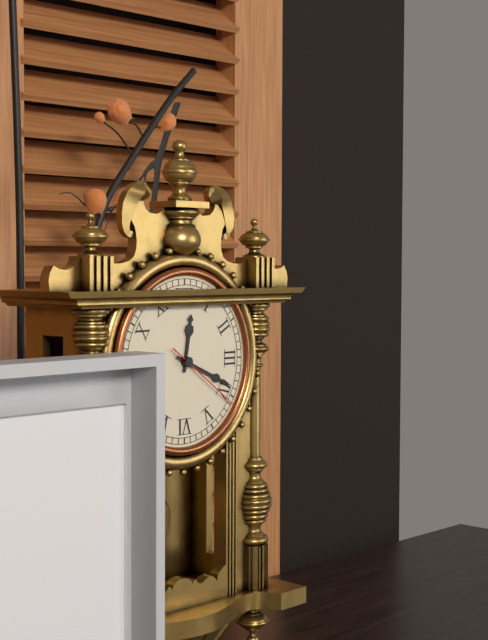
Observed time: **12:19:21**
